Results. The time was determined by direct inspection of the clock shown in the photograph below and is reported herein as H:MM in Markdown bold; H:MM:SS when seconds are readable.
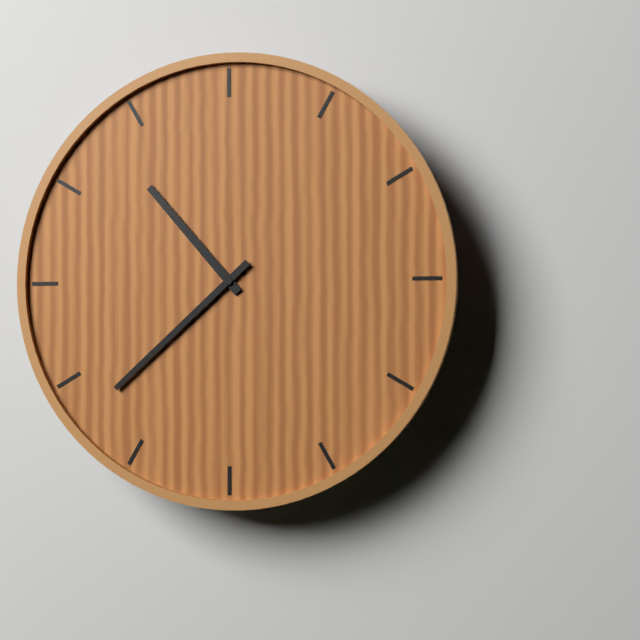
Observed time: **10:38**
